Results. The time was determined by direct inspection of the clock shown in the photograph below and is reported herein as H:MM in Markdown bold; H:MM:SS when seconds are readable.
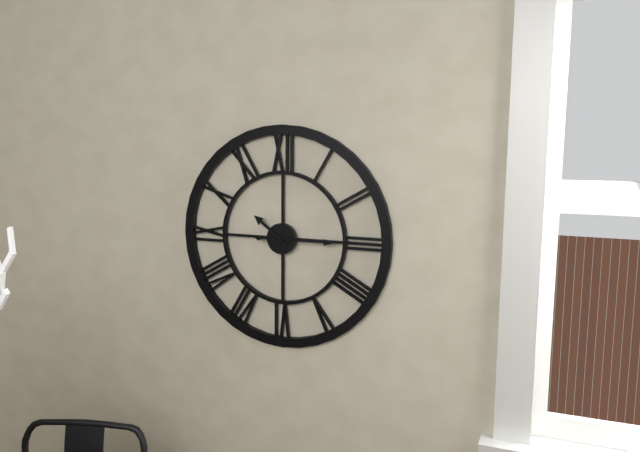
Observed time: **10:15**
